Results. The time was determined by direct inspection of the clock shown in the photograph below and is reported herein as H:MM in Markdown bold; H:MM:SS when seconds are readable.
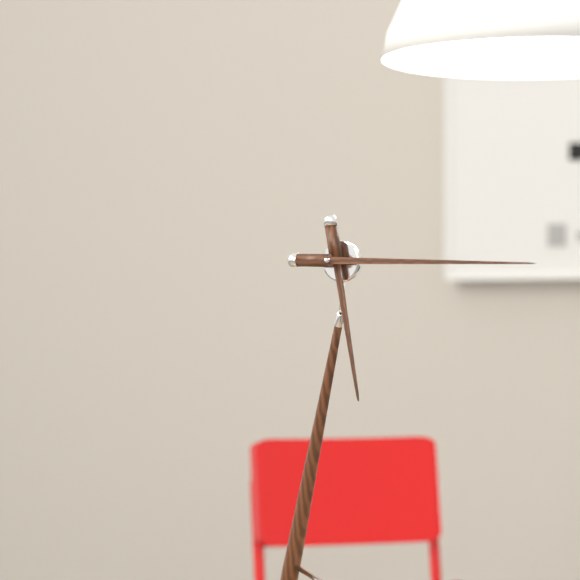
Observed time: **5:13**
